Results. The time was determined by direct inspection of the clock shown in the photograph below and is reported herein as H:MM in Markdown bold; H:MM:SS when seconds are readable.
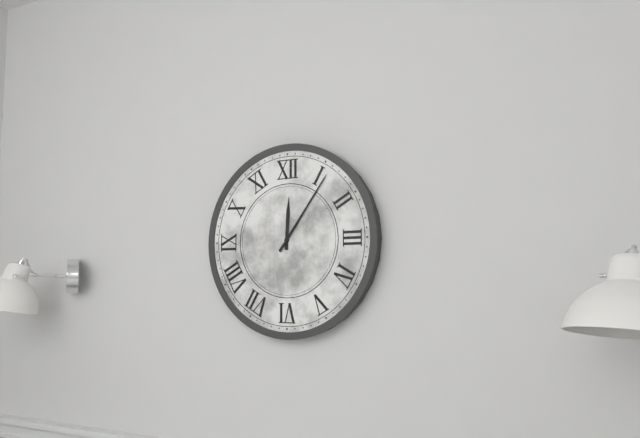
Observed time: **12:06**
